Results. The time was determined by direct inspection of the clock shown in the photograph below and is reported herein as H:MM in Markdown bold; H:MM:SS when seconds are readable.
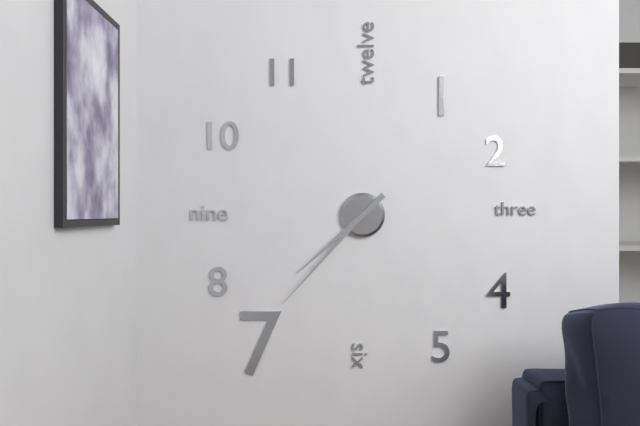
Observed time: **7:37**
